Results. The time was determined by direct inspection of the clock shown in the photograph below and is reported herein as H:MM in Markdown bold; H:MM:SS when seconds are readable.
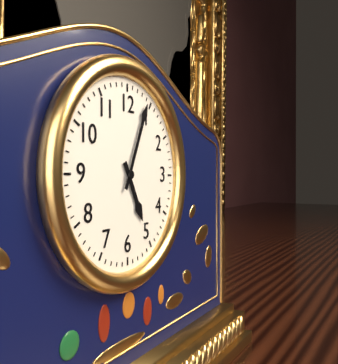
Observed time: **5:04**
